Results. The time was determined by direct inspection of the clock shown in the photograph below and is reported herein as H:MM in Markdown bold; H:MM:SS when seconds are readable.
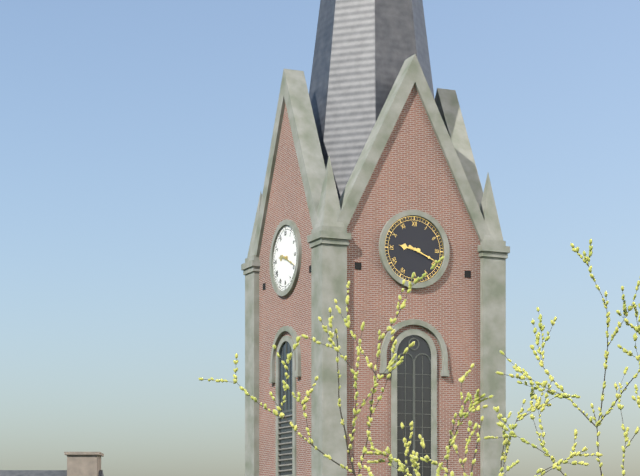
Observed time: **9:19**
